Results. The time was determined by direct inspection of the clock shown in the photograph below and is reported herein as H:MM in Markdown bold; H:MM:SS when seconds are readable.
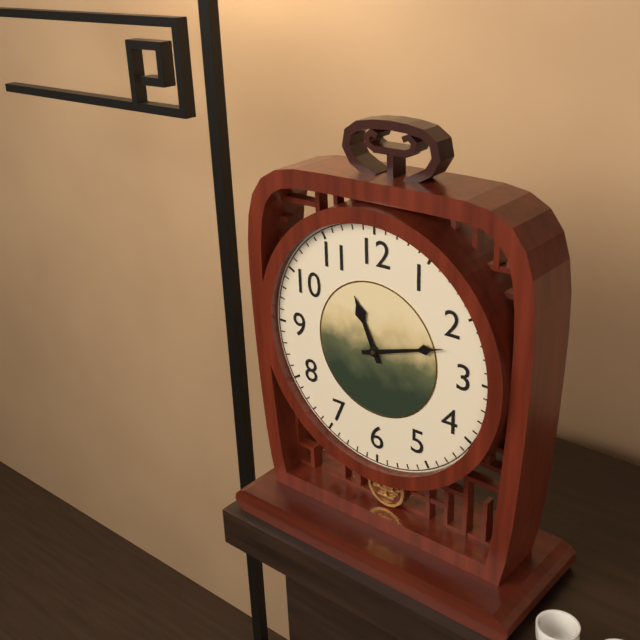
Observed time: **11:12**
